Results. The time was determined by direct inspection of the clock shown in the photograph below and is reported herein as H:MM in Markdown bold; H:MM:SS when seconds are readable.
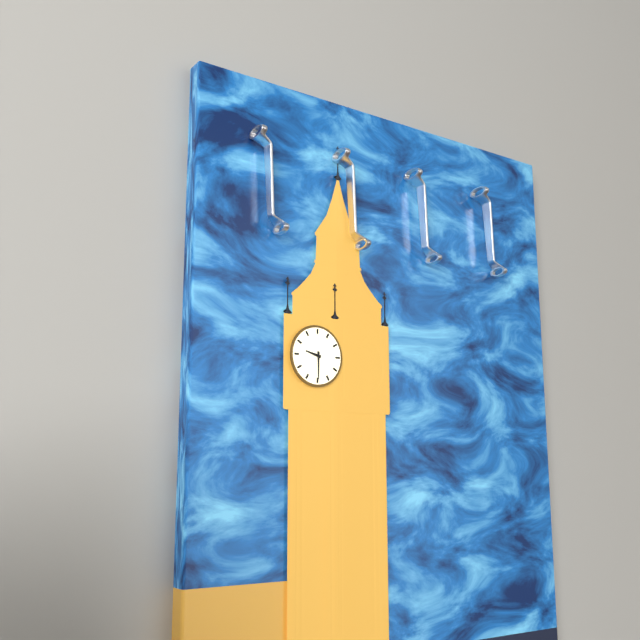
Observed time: **9:30**
